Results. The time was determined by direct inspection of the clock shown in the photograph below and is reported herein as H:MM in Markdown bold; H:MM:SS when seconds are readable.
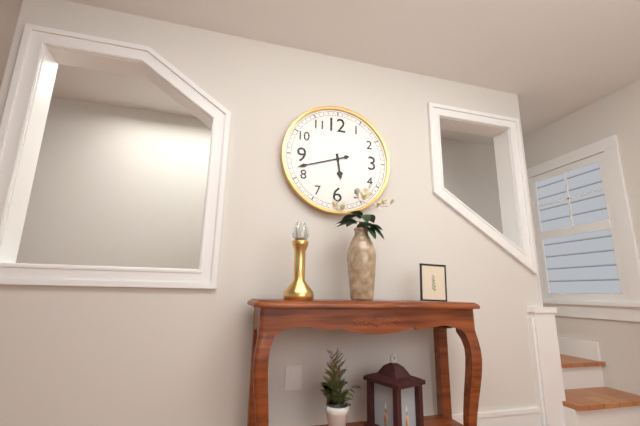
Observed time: **5:42**
